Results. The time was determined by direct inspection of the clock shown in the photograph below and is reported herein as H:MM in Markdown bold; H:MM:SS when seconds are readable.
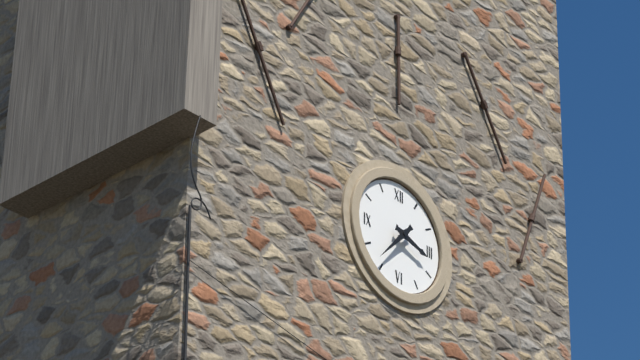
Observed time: **3:37**
